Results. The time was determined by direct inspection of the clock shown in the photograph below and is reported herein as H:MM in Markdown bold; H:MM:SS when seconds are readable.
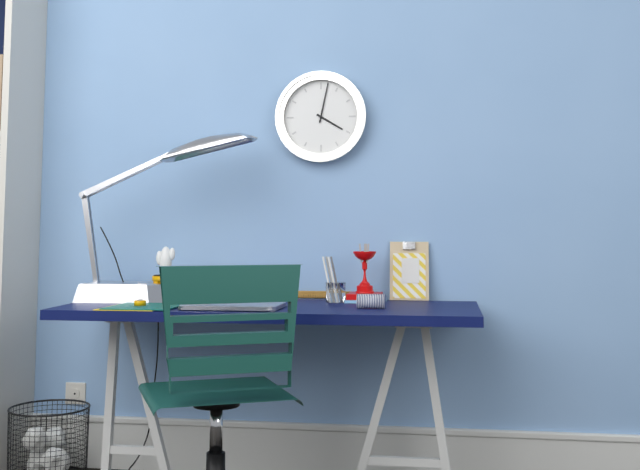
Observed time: **4:02**
